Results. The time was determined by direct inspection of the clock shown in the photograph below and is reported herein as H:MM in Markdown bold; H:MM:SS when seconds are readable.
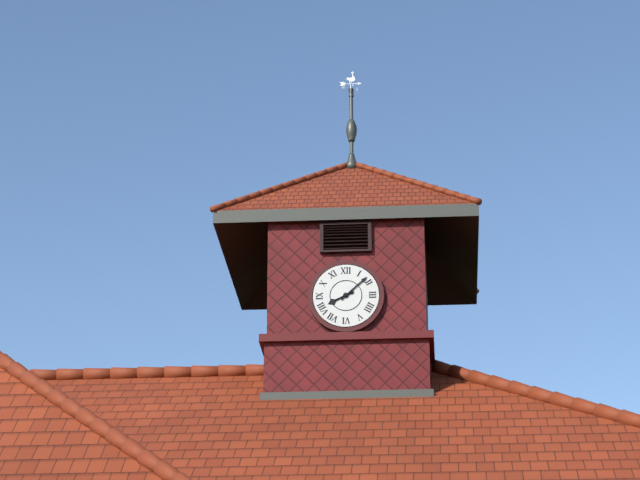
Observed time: **8:08**
